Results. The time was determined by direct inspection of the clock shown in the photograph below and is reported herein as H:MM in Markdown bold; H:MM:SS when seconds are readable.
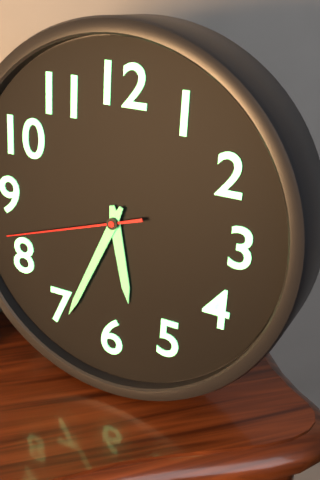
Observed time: **5:34:42**
